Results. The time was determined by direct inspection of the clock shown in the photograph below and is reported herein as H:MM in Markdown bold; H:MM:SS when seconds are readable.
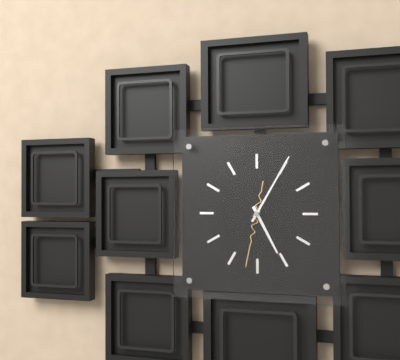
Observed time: **5:05:32**
